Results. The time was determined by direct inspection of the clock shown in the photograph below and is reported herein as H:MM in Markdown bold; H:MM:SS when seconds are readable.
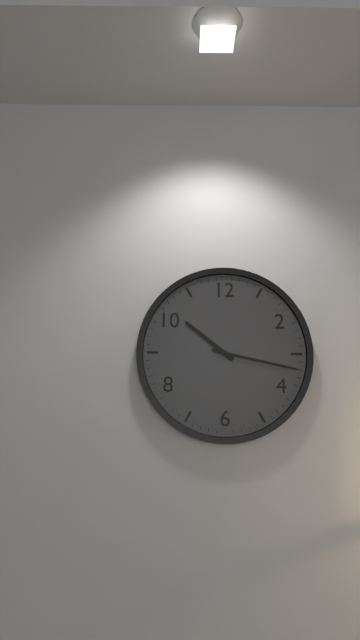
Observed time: **10:17**
